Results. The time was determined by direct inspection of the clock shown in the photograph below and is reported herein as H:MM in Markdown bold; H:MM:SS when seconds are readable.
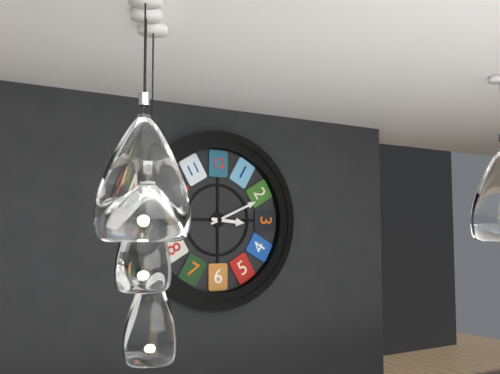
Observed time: **3:11**
